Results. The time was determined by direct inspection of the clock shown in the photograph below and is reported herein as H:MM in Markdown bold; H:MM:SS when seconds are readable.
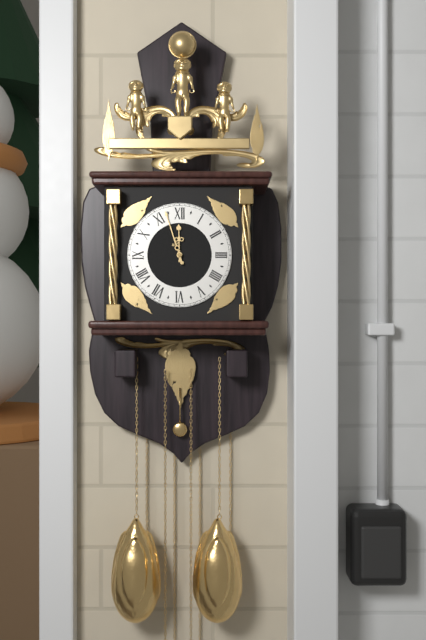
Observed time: **11:57**
